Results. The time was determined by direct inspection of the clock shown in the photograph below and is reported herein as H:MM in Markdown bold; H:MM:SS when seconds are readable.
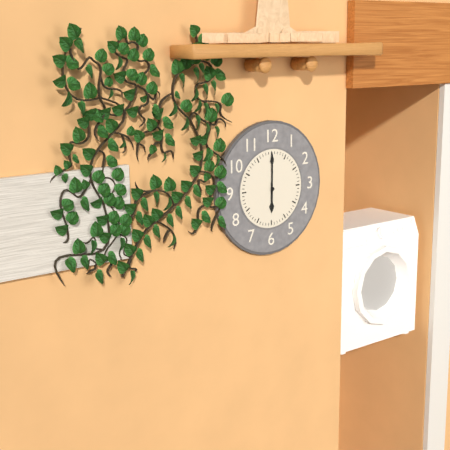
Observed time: **6:00**
